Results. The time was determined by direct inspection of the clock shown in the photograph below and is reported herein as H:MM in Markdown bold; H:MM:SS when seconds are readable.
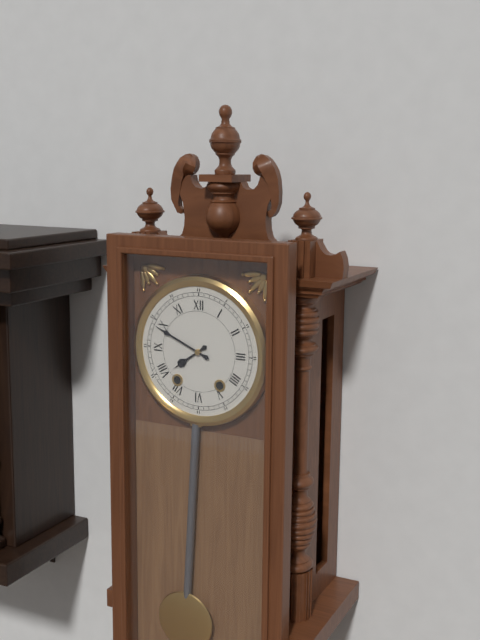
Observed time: **7:49**
